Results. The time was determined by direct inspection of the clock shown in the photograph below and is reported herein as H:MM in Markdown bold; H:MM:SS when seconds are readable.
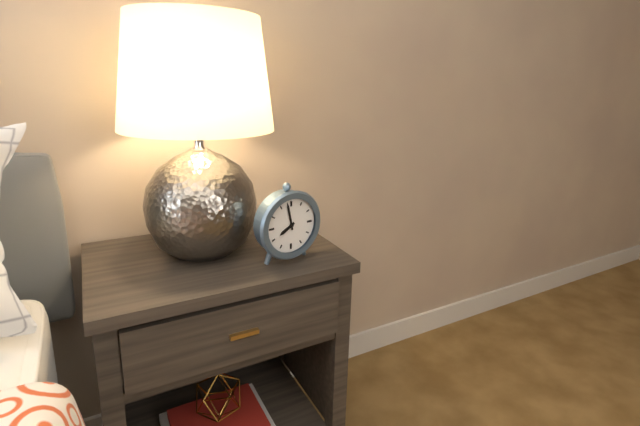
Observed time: **7:58**
